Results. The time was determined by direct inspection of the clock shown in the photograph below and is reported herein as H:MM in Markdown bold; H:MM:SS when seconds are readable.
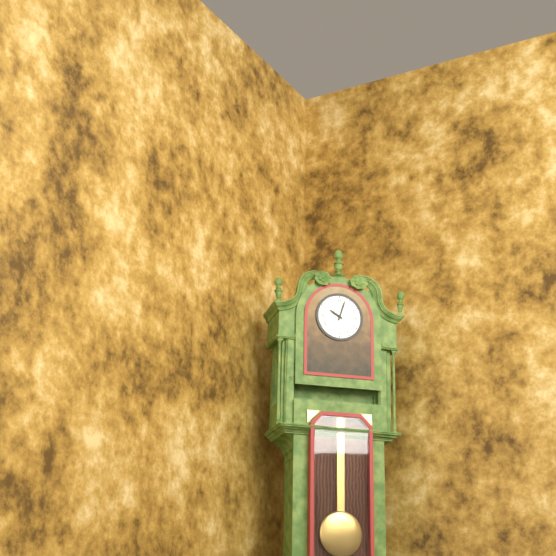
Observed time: **10:03**
